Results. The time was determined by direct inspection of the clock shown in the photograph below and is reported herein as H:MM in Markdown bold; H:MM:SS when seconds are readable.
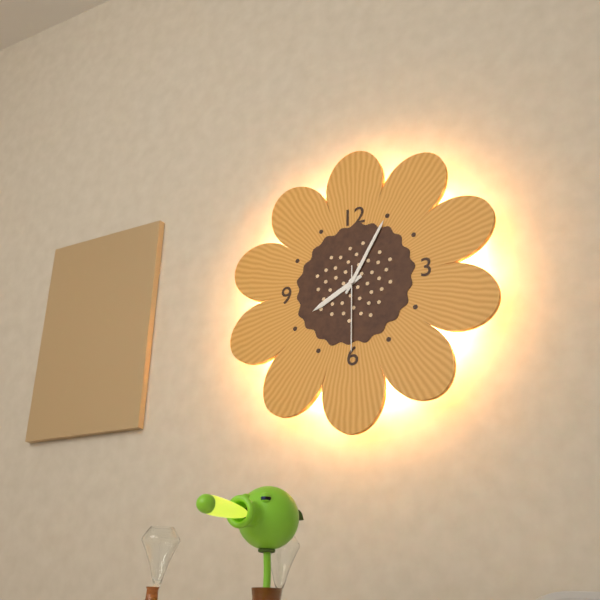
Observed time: **8:05:30**
